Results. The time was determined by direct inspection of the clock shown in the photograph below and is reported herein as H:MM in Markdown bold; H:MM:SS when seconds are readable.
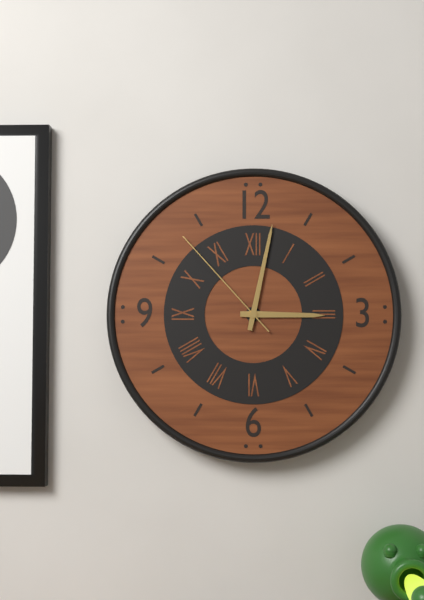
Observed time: **3:02:53**
